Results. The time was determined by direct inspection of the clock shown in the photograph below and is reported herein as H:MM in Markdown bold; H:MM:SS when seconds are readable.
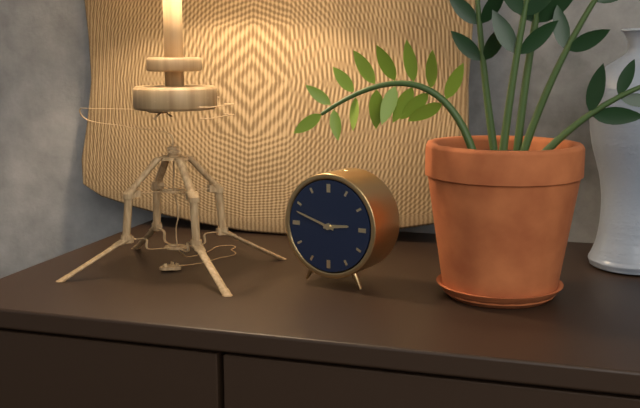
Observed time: **2:48**
